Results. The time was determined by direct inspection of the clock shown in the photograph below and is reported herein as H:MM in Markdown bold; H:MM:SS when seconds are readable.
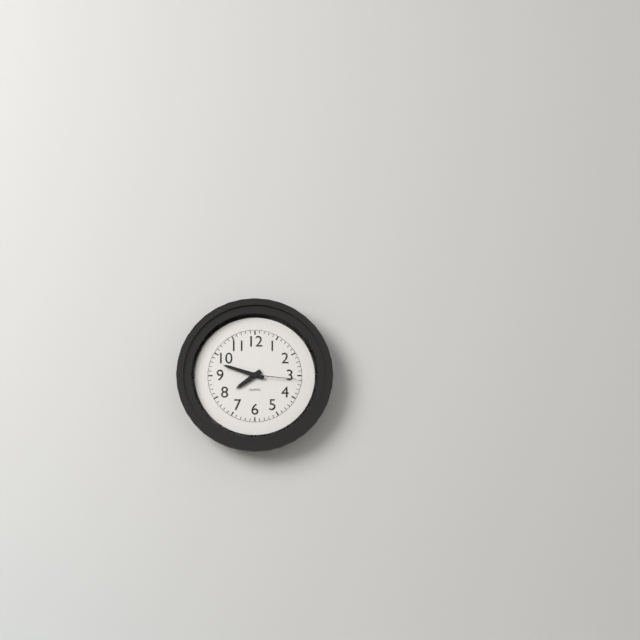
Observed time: **7:48:16**
